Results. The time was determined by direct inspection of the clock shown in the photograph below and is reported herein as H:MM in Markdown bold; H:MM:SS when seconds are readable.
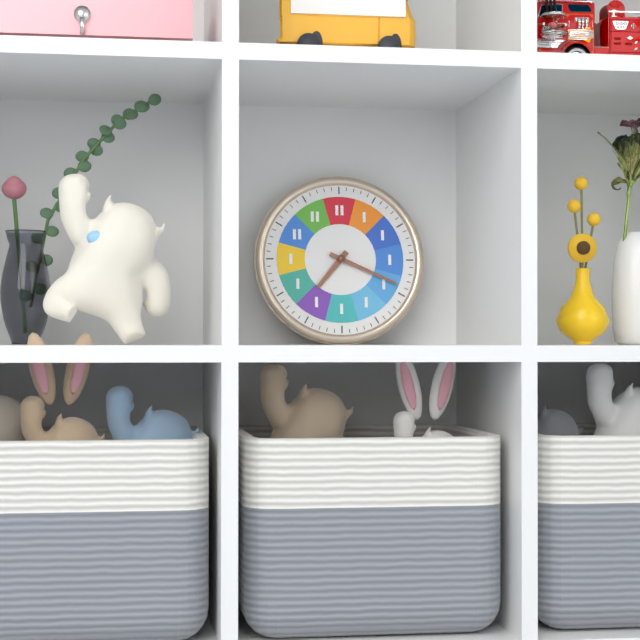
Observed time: **7:19**
